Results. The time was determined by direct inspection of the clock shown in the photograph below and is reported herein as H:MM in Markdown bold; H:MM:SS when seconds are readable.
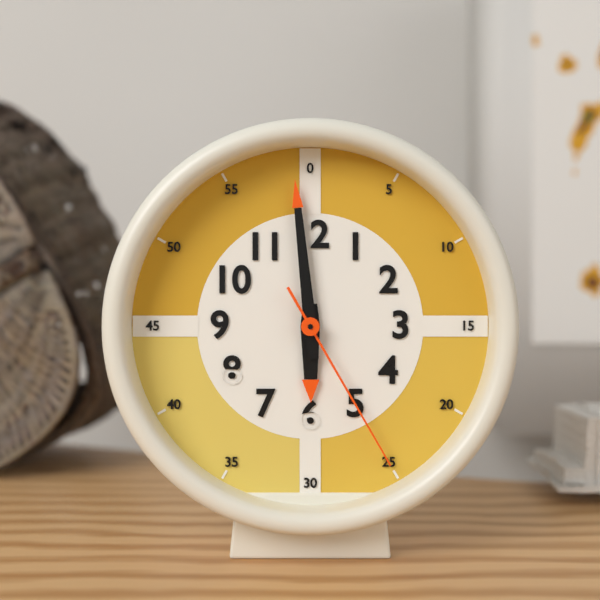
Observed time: **5:59:25**
